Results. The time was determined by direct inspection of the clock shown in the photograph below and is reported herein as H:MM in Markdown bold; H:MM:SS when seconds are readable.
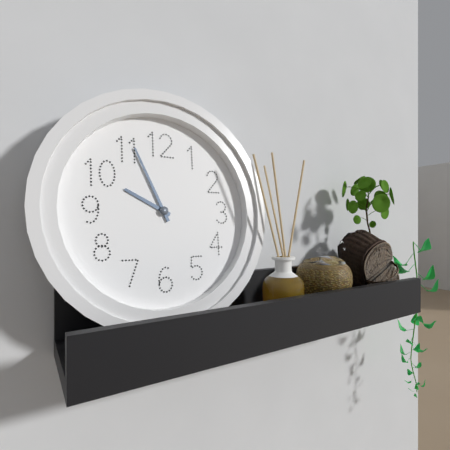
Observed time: **9:56**
